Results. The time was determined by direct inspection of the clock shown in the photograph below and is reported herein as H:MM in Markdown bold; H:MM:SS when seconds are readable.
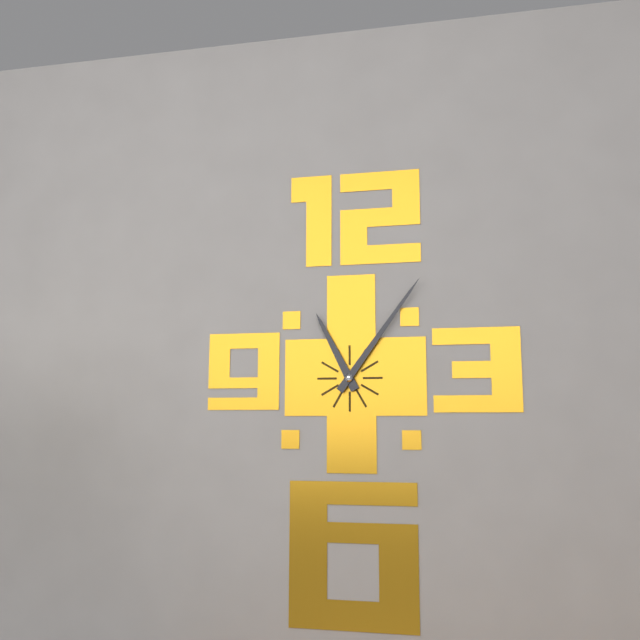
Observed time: **11:06**
